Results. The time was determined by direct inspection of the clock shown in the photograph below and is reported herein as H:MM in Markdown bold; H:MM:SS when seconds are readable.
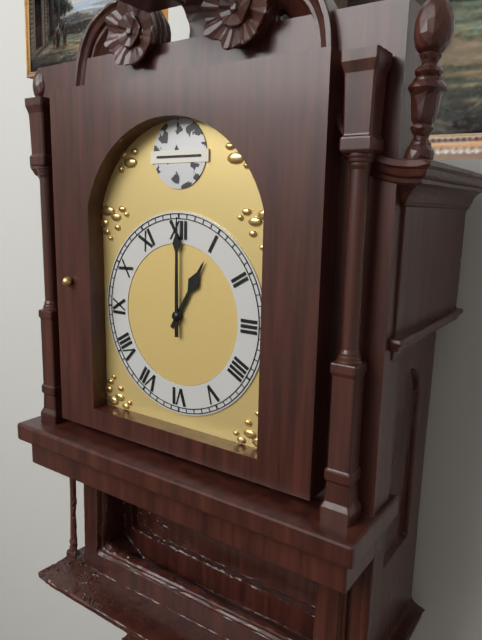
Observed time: **1:00**
